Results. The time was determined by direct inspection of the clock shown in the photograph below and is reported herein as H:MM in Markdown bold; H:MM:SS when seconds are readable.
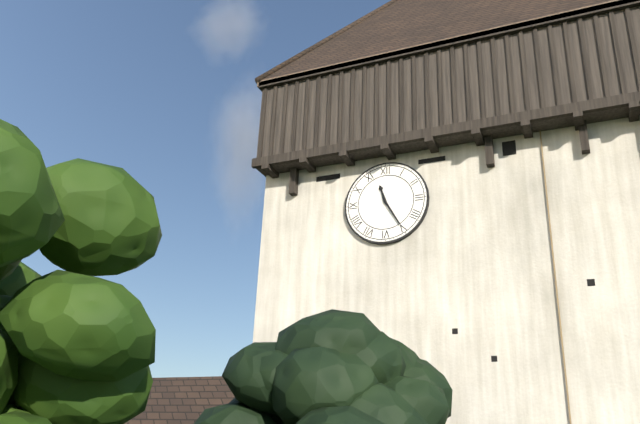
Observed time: **11:25**
